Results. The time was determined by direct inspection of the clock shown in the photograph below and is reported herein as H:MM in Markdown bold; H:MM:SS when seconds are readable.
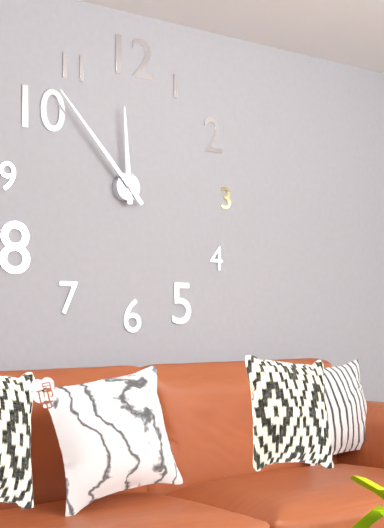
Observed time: **11:53**
